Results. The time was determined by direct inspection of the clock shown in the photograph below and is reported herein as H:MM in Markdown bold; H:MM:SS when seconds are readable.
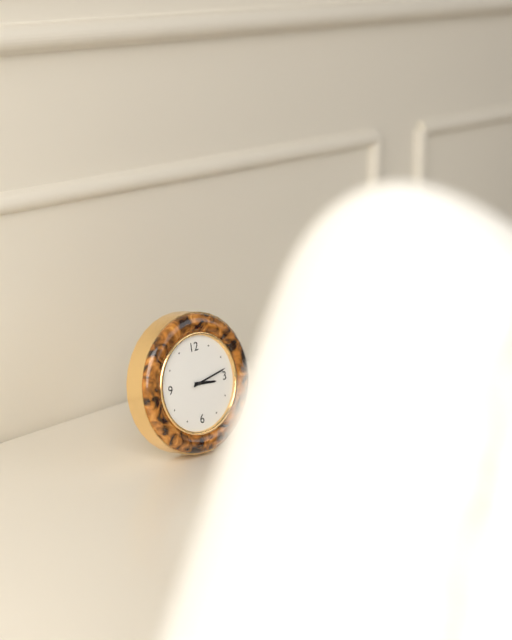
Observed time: **3:13**
